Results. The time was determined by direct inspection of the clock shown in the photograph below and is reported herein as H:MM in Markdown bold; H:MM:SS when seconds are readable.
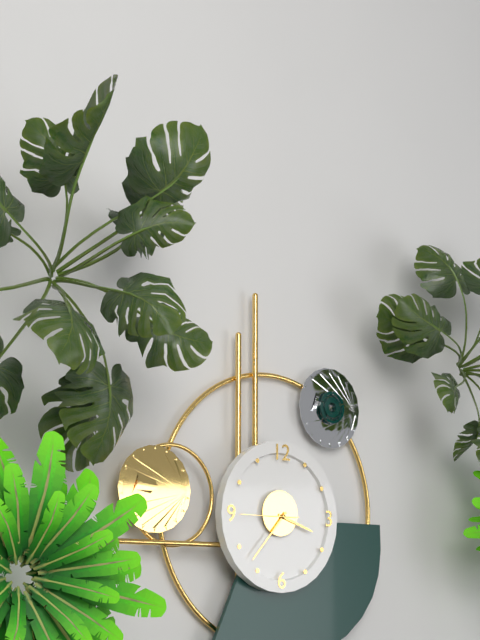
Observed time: **3:37:45**
